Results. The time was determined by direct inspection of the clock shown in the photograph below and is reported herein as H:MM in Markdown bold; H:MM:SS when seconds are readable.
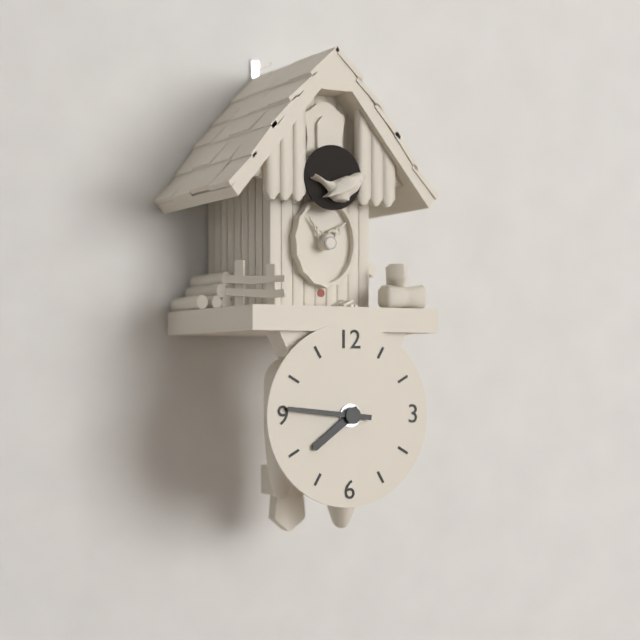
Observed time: **7:46**
